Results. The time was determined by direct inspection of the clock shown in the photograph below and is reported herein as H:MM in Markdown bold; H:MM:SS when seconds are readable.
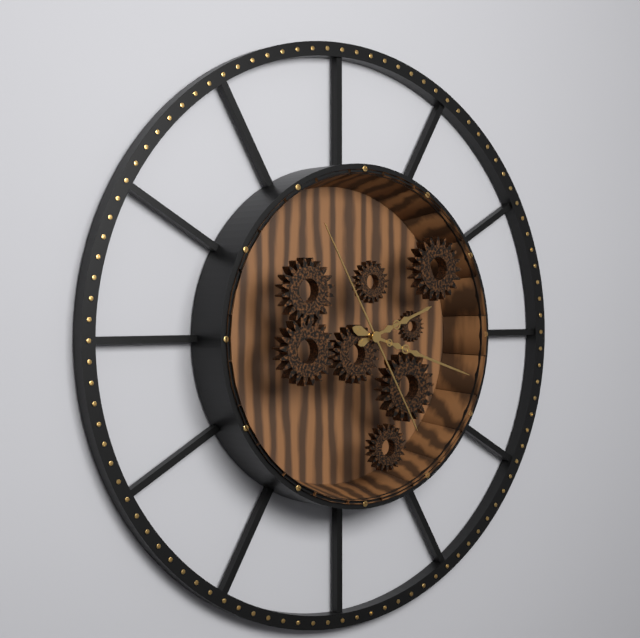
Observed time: **2:18:55**
